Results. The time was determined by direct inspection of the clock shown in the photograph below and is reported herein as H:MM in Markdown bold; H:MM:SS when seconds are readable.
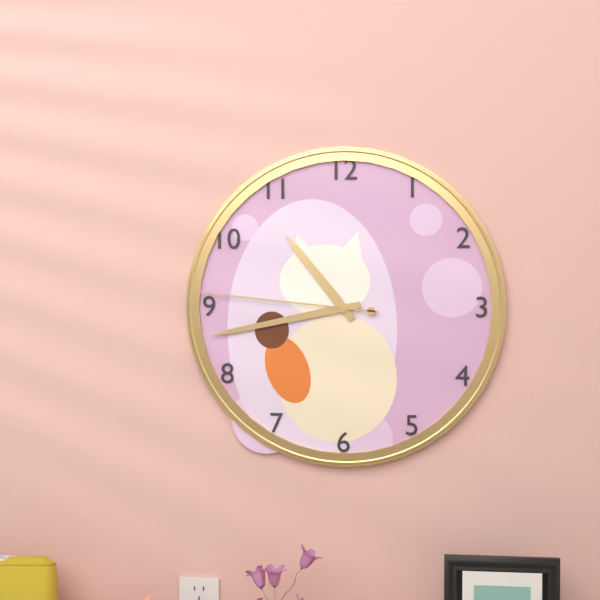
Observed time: **10:43:46**
